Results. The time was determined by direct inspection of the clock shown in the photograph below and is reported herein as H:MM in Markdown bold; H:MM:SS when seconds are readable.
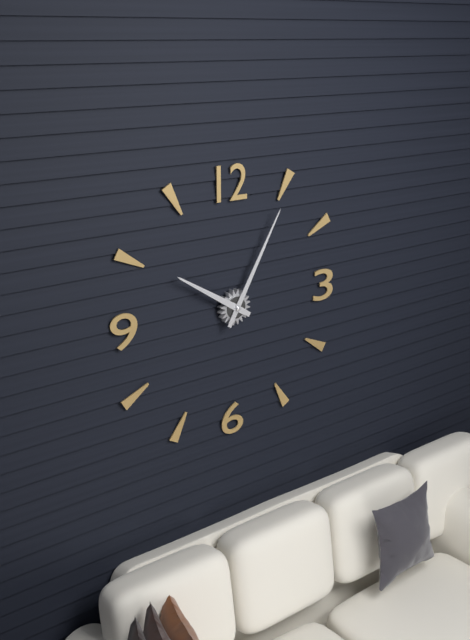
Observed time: **10:05**
